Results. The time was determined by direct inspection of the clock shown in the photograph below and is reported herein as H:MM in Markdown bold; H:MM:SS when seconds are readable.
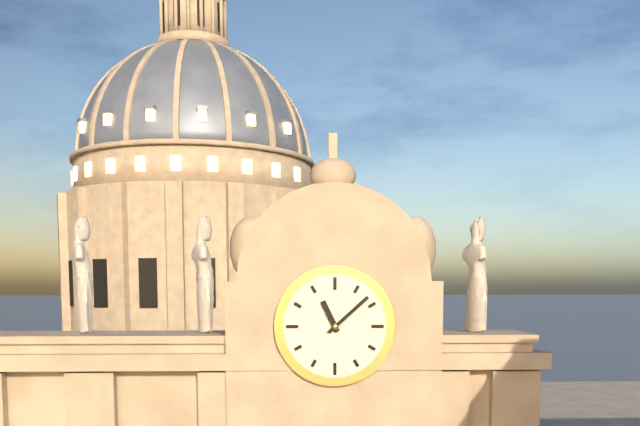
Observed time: **11:08**
